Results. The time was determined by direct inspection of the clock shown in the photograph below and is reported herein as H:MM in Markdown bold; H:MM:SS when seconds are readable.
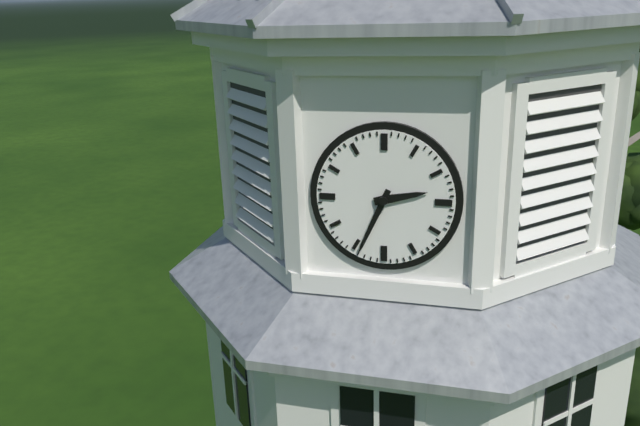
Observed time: **2:34**
